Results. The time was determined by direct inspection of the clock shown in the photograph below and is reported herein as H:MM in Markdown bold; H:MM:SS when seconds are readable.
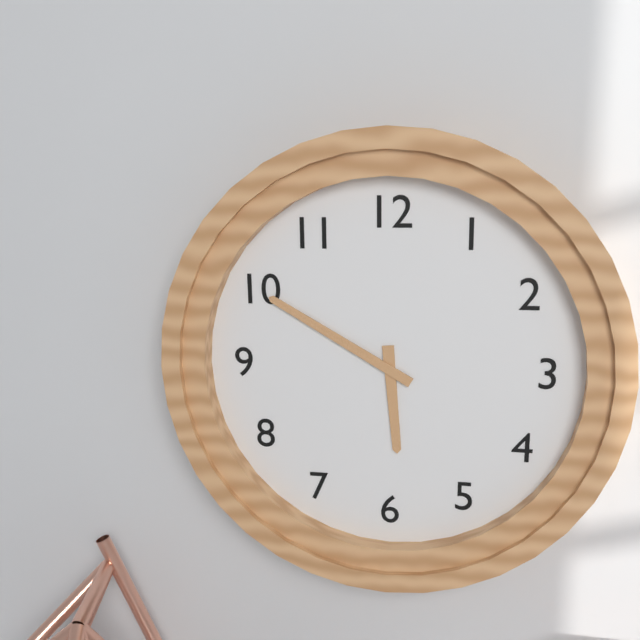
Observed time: **5:50**
